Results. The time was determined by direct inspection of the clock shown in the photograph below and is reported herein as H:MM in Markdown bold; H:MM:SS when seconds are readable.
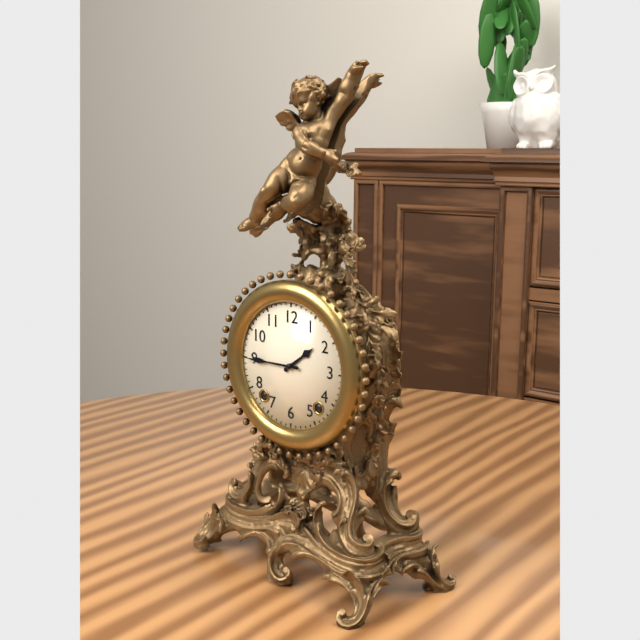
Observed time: **1:45**
